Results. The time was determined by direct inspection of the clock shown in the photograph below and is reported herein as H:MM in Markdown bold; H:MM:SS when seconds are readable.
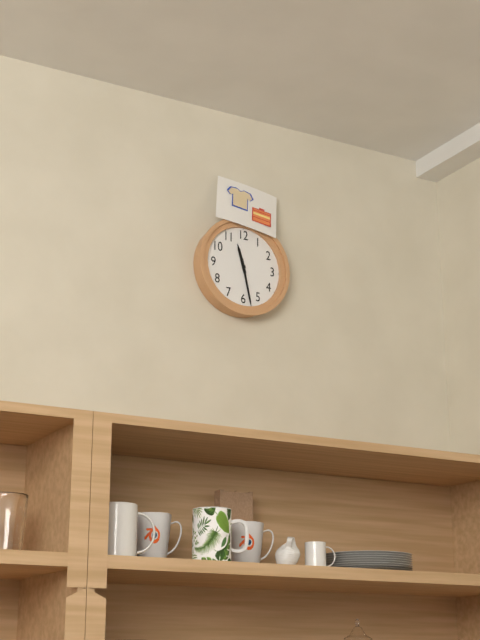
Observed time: **11:28**
